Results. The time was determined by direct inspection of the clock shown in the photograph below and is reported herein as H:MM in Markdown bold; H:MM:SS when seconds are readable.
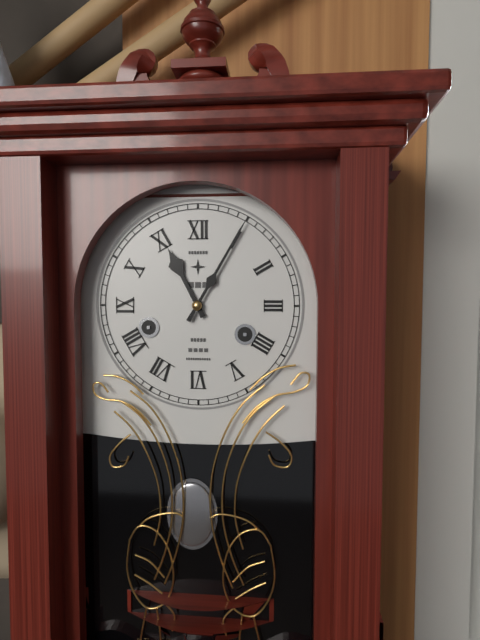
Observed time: **11:05**
